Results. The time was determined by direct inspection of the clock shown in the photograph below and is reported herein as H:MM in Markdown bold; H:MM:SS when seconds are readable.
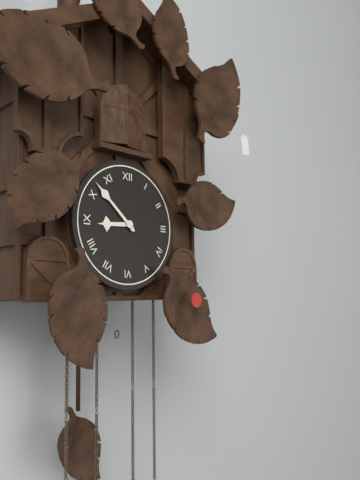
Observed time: **8:52**
